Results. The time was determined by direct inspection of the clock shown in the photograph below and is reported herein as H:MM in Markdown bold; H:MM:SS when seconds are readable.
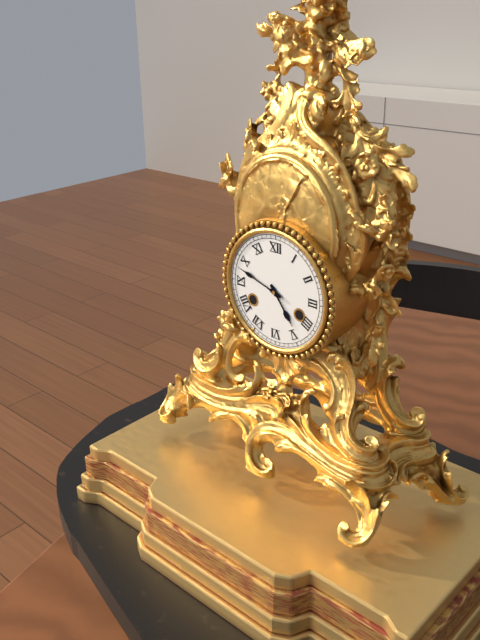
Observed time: **4:48**
